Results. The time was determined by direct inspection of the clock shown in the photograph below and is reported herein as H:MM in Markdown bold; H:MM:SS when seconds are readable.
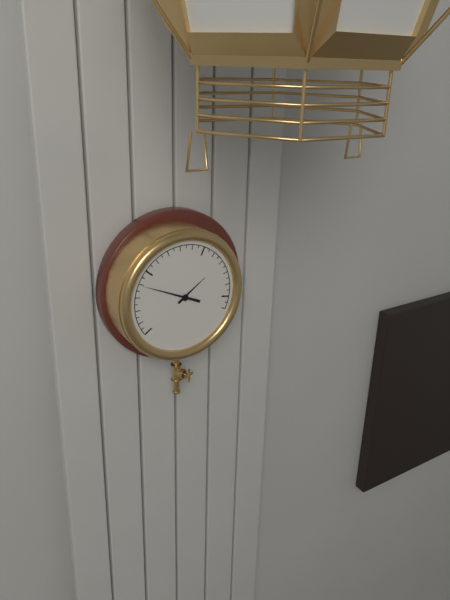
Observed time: **1:49**
